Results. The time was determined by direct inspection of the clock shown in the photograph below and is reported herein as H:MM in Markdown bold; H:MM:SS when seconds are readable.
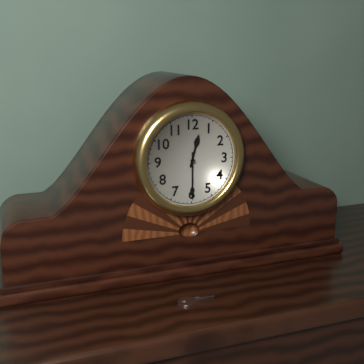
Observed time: **12:30**
